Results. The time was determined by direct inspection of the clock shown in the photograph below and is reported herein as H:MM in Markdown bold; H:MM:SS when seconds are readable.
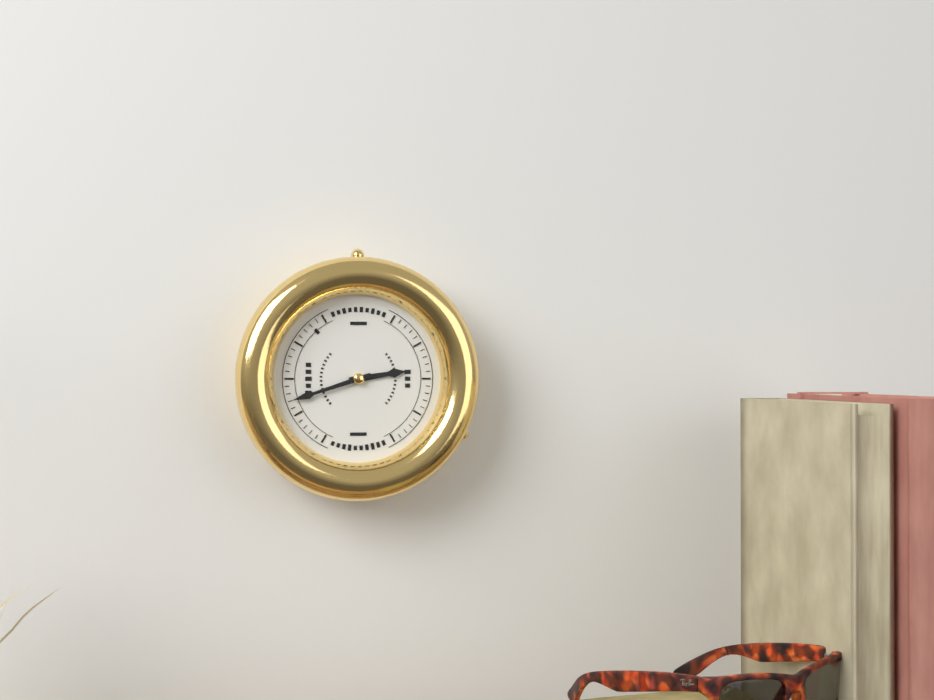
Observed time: **2:42**
